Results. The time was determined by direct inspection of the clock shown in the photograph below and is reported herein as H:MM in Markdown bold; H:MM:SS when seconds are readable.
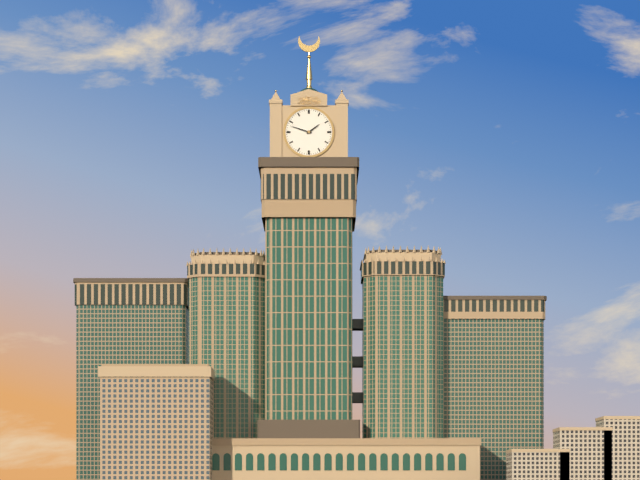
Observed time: **1:48**
